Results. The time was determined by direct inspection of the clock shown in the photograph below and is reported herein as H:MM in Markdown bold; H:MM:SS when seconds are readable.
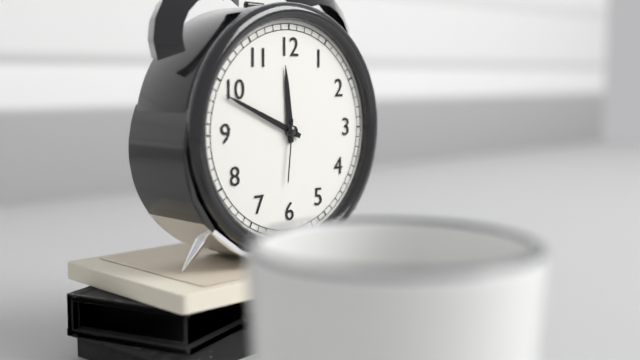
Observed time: **11:49:31**
